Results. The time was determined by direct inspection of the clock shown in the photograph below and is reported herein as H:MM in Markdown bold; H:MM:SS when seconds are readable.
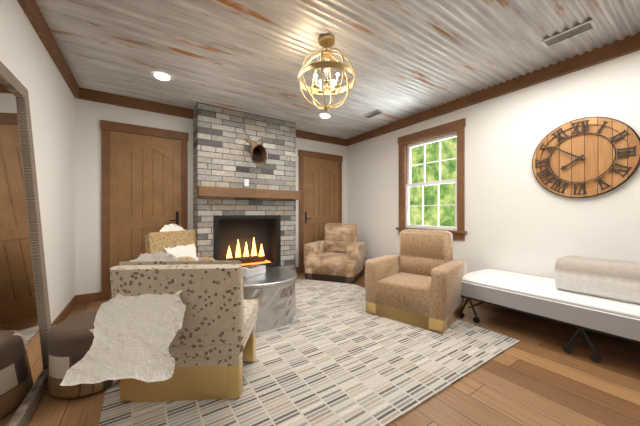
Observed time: **7:51**
